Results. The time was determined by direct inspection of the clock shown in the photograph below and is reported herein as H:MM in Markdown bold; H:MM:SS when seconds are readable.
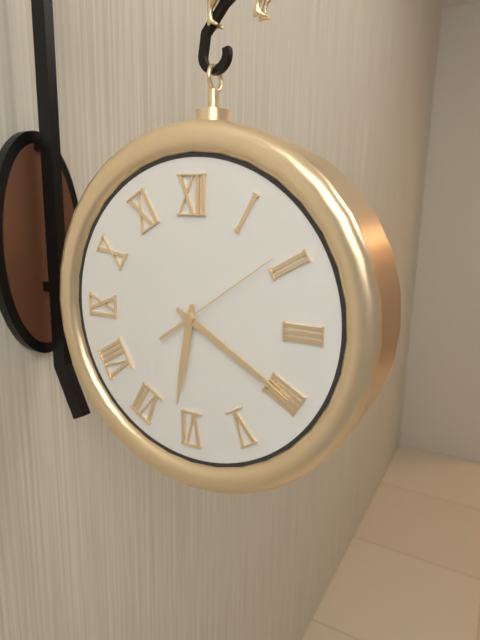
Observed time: **6:20:09**
